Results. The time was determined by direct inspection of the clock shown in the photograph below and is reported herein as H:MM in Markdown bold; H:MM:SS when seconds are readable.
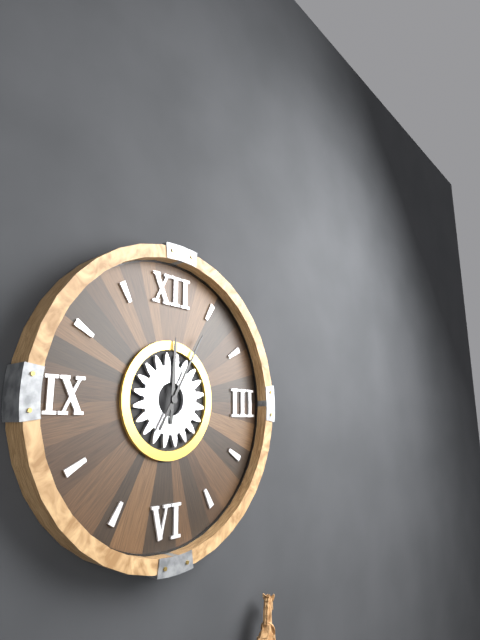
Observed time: **12:05**
